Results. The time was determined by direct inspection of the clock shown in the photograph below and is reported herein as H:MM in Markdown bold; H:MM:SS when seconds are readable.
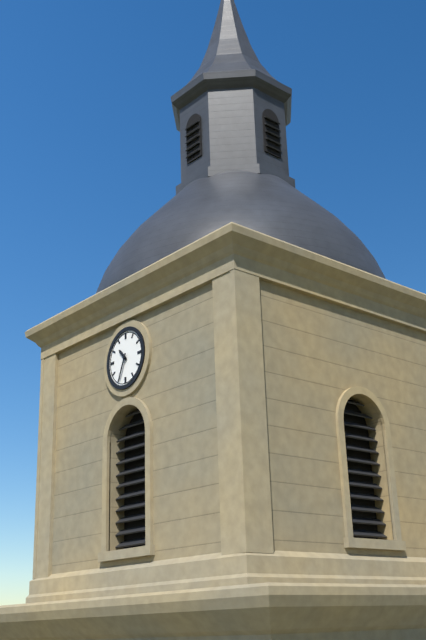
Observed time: **10:34**
